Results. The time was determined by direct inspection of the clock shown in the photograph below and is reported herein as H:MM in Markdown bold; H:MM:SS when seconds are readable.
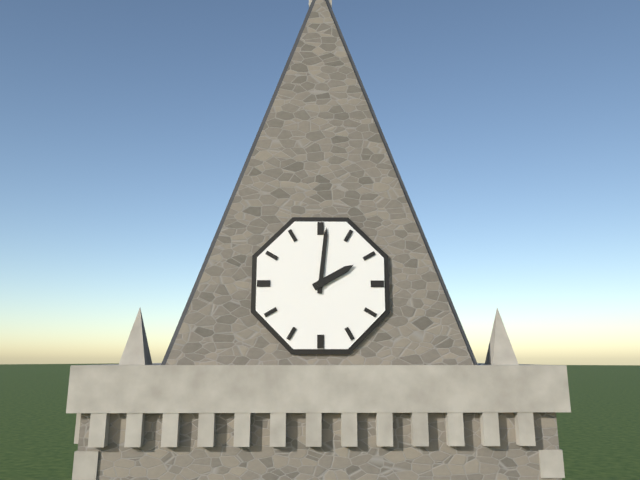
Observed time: **2:01**
